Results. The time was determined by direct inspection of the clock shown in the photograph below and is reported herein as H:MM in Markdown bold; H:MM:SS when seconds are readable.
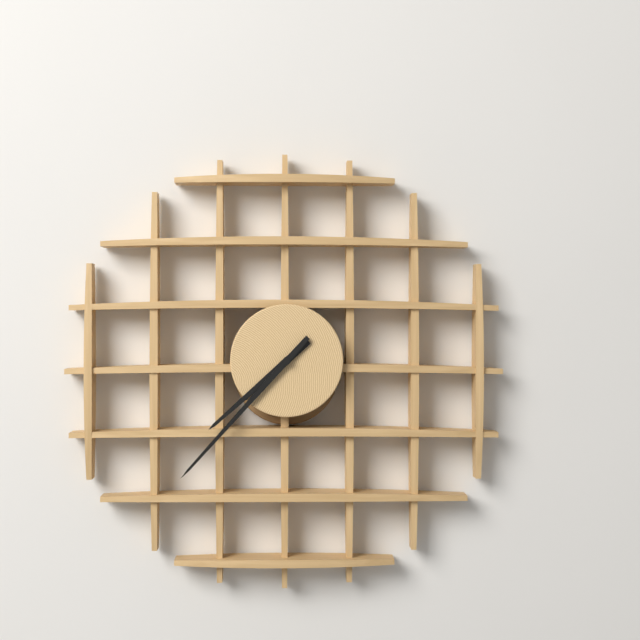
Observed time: **7:37**
